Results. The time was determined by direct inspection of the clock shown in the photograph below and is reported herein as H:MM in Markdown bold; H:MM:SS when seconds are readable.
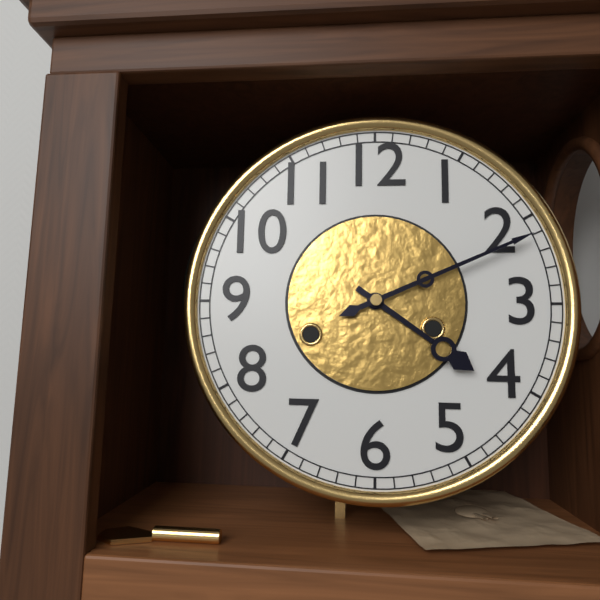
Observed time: **4:11**
